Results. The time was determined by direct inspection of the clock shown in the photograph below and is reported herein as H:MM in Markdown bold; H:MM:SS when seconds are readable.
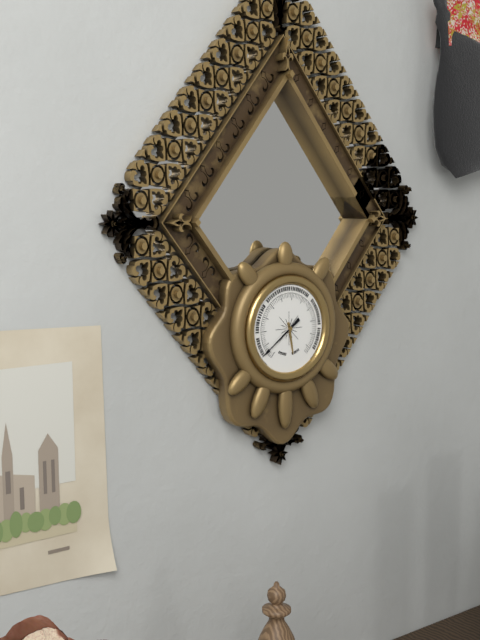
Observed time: **5:39**
